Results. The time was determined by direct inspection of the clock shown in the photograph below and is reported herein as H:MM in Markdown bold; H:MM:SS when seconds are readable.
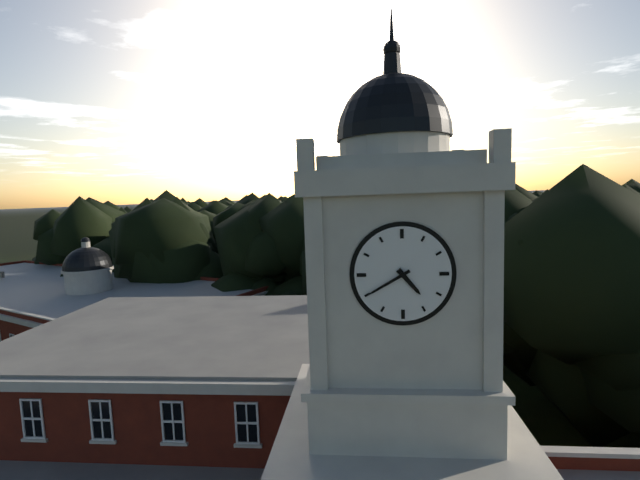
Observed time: **4:40**
